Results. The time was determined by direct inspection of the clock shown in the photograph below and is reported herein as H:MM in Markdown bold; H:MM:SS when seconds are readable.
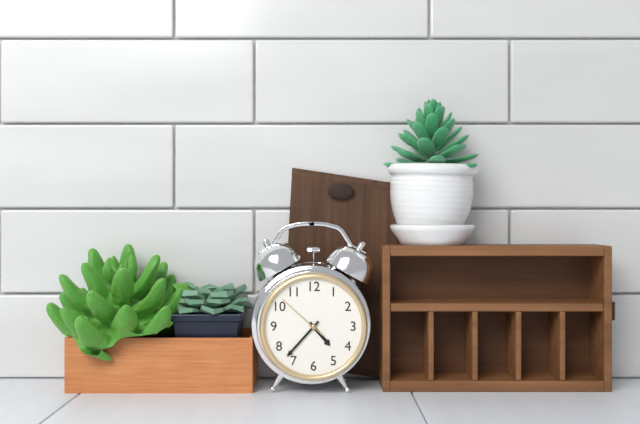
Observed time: **4:37:52**
